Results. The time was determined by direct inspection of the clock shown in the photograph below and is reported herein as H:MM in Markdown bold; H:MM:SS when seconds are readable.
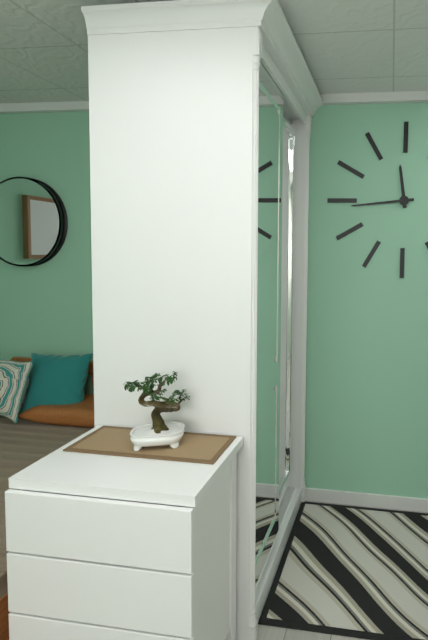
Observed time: **11:44**
